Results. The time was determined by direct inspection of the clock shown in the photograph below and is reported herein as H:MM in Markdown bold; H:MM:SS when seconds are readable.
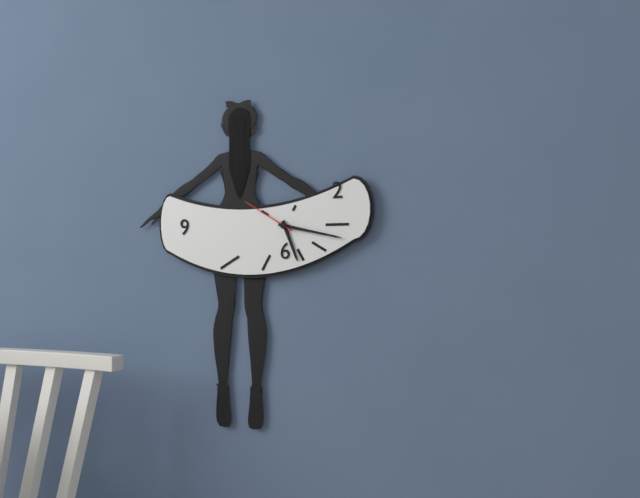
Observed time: **5:17:50**
